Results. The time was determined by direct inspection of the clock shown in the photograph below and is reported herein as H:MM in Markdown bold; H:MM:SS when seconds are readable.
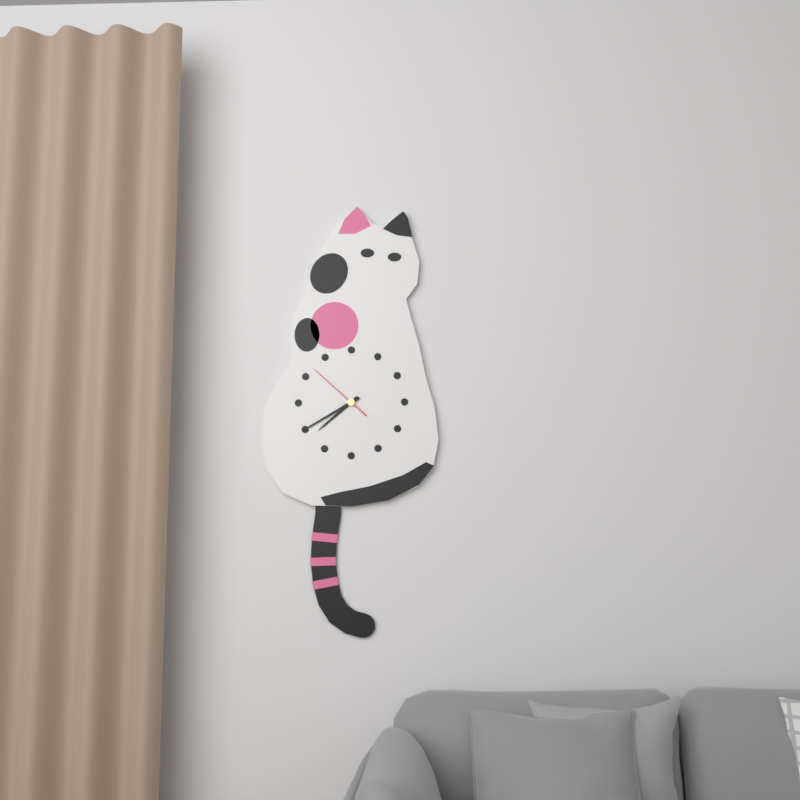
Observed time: **7:40:52**
